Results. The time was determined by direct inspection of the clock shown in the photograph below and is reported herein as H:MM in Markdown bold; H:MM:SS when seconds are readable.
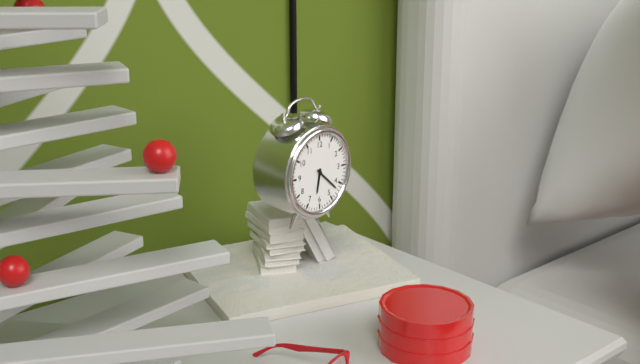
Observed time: **6:22**
